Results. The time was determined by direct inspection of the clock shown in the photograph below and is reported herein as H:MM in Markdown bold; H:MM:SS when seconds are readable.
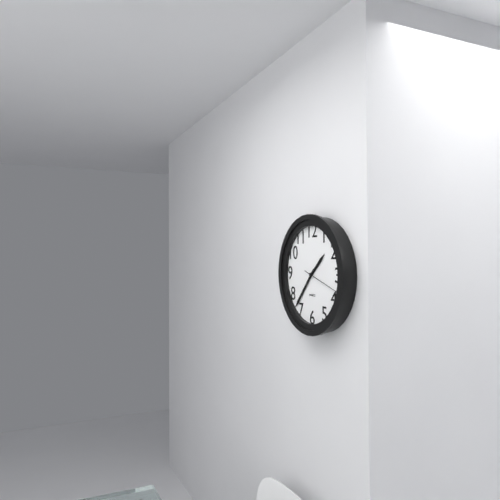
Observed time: **1:37**
